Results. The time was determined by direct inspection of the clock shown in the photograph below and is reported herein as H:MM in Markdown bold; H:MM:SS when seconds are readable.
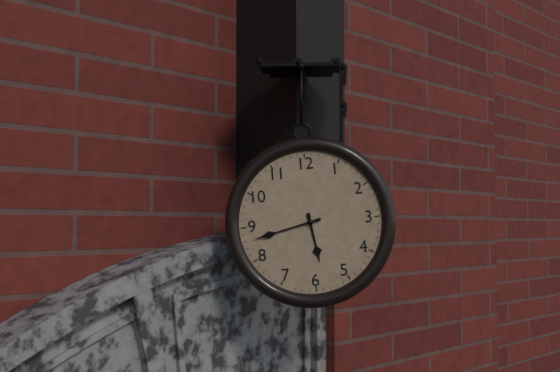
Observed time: **5:43**
